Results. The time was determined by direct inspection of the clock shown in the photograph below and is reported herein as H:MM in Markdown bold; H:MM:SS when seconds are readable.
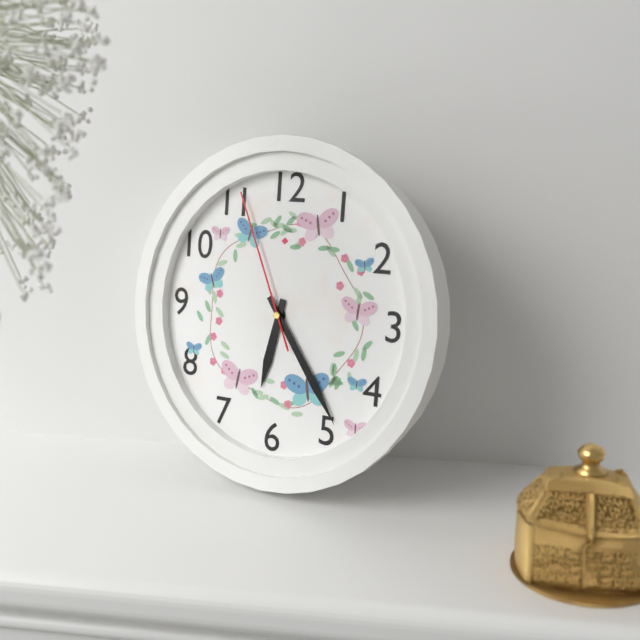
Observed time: **6:24:56**
